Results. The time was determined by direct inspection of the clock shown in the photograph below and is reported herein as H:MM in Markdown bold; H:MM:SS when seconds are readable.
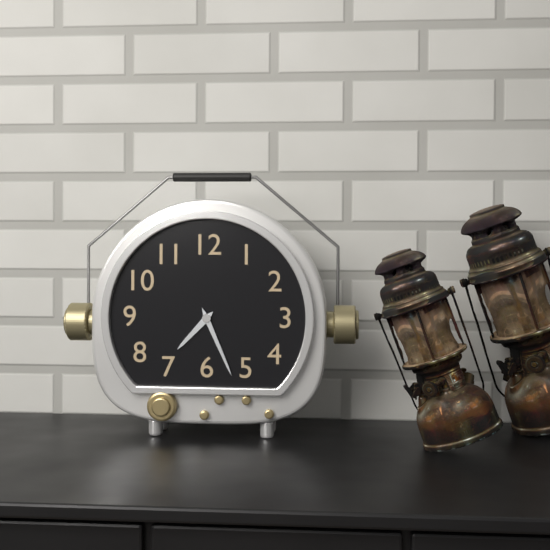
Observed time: **7:26**
